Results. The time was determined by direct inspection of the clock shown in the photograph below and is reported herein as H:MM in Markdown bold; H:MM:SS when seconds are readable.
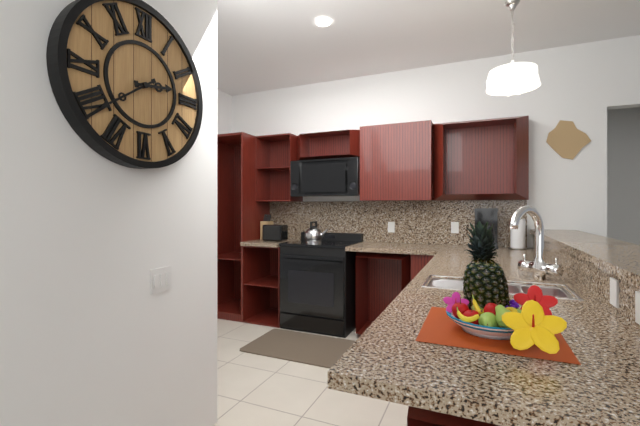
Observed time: **2:39**
